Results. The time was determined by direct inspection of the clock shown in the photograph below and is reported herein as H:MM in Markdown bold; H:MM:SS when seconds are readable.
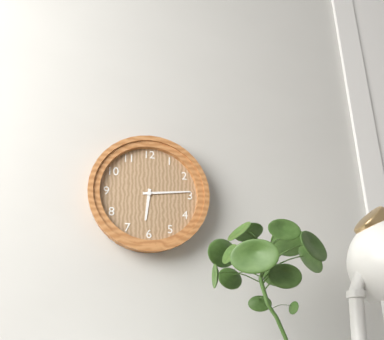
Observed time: **6:14**
